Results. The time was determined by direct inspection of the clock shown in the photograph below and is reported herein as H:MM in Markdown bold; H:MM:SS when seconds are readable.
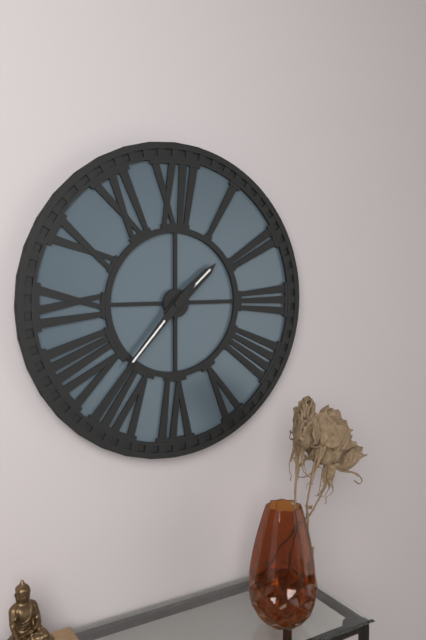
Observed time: **1:37**
